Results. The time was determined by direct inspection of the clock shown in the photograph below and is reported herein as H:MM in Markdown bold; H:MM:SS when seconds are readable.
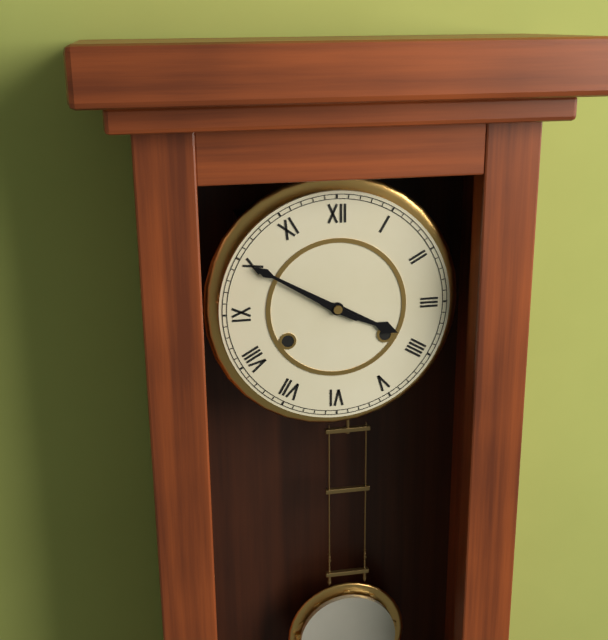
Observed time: **3:50**
